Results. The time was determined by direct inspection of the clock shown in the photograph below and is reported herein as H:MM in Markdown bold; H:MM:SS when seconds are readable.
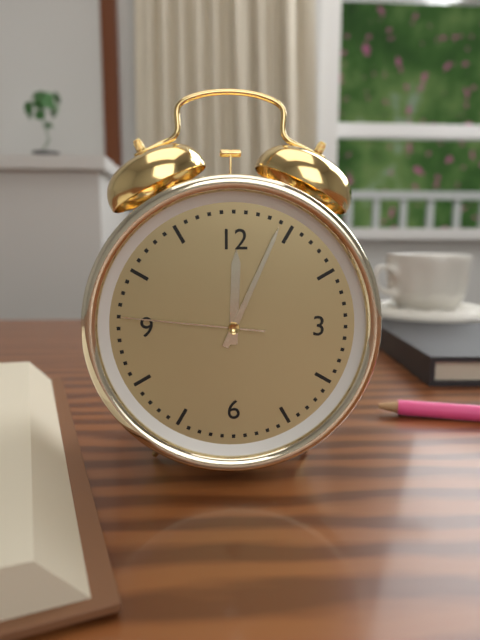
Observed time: **12:04:46**
